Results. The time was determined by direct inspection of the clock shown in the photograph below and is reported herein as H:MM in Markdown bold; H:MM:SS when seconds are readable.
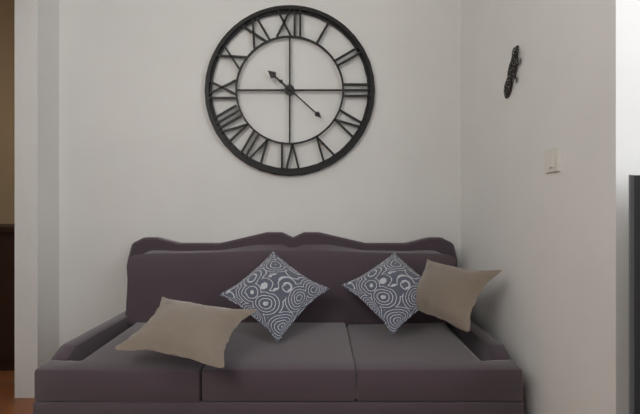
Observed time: **10:22**
